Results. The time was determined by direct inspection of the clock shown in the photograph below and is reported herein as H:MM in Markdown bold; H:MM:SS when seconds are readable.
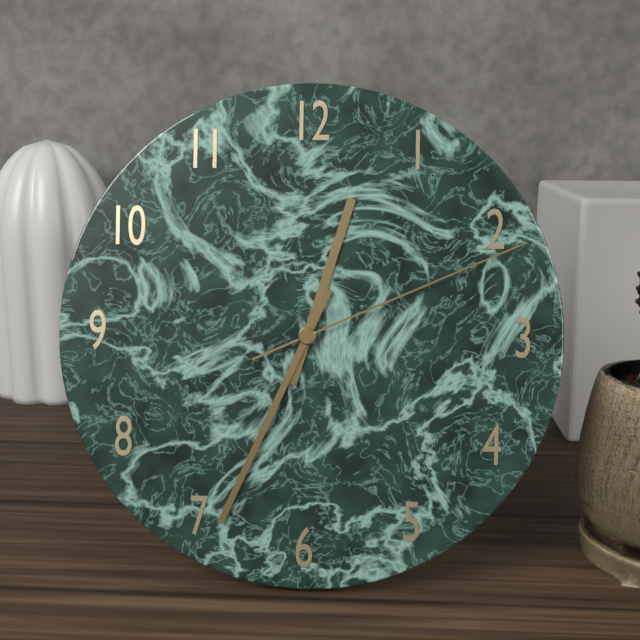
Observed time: **12:34:11**
